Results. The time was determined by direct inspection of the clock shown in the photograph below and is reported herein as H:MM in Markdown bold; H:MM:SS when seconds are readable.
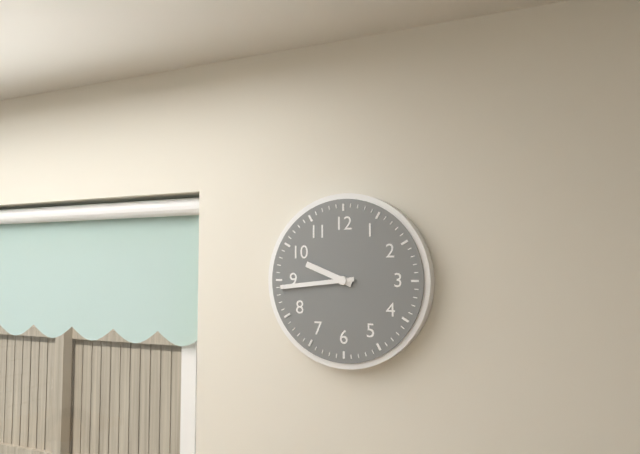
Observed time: **9:44**
